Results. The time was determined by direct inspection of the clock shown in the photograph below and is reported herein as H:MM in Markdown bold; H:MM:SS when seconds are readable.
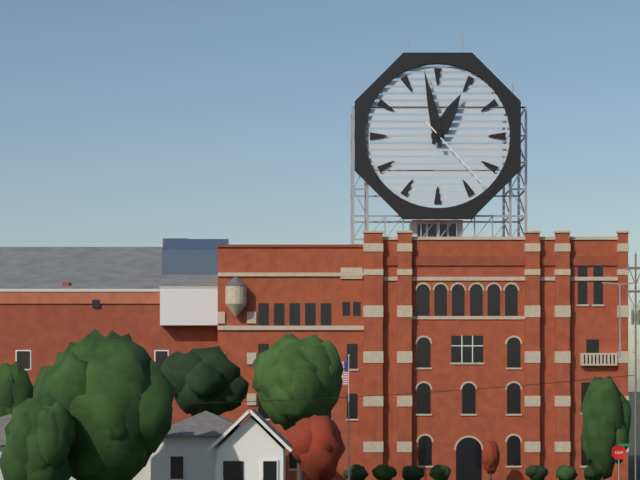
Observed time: **12:58:23**
